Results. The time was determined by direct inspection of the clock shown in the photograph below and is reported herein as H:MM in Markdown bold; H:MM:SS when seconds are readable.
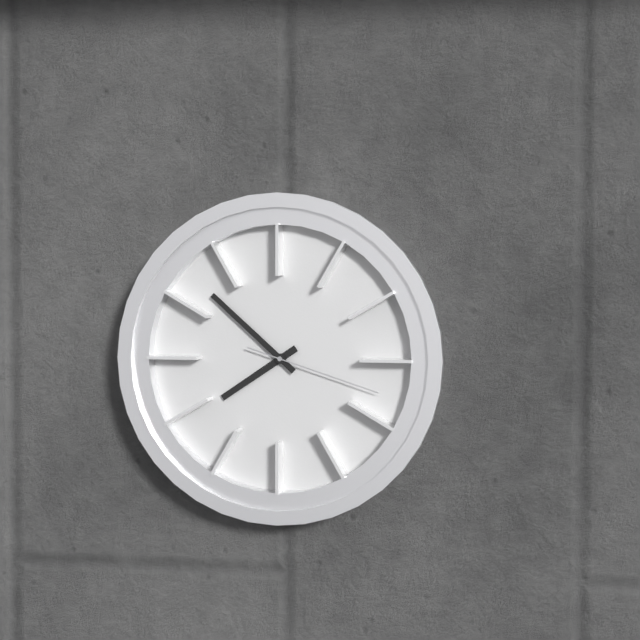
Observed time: **7:52:18**
